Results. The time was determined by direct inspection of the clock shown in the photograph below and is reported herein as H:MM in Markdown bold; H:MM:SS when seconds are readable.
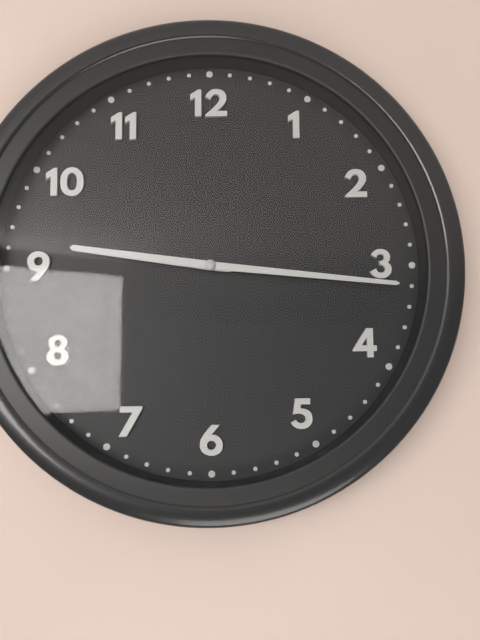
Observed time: **9:16**
